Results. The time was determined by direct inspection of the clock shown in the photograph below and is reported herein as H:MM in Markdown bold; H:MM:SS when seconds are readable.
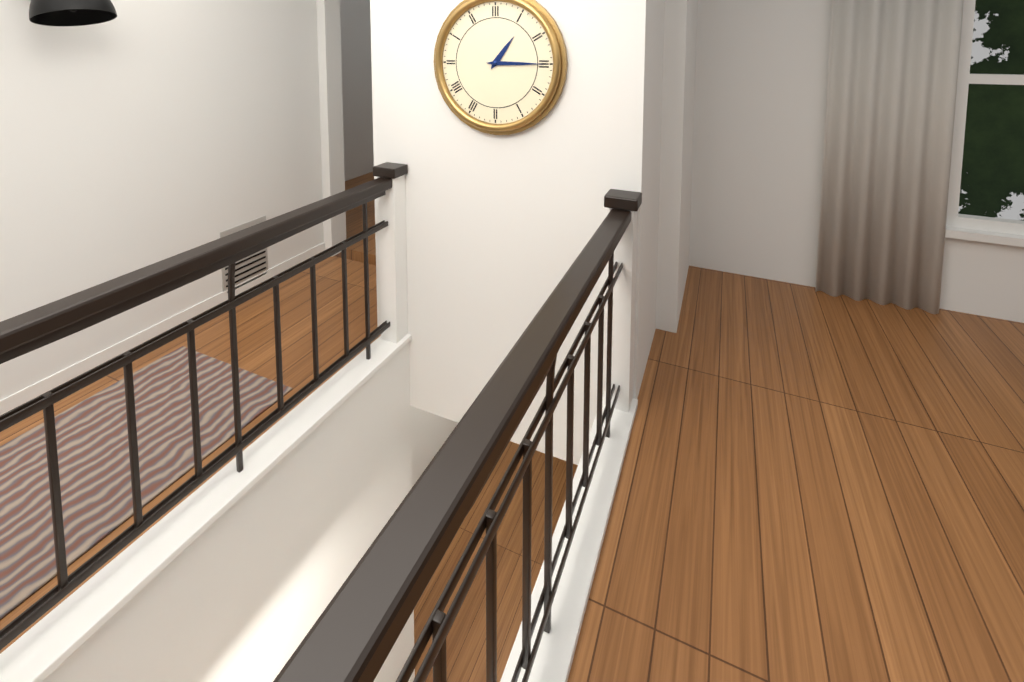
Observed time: **1:15**
